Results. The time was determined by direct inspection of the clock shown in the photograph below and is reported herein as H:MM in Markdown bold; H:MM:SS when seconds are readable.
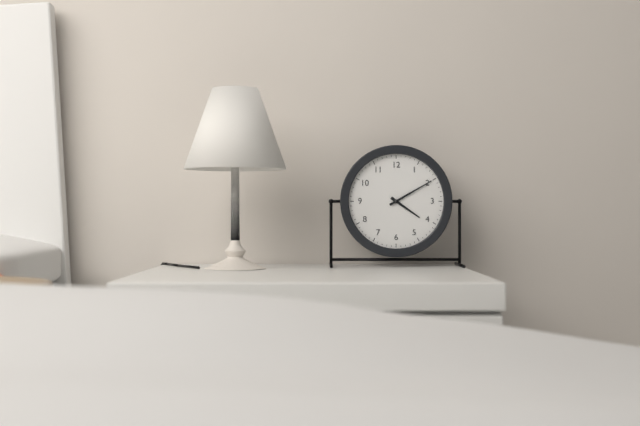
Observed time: **4:10**
